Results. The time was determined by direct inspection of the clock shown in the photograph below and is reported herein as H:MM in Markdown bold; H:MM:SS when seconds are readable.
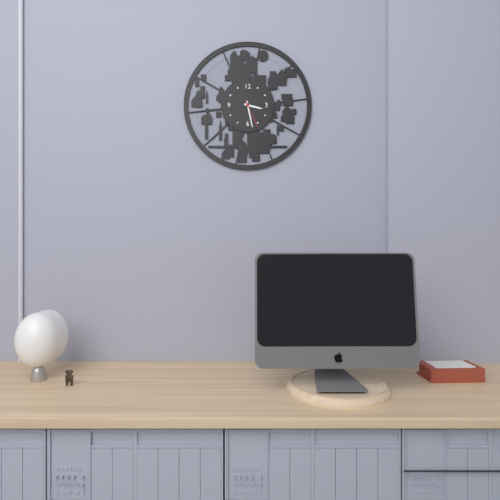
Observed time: **3:28**
